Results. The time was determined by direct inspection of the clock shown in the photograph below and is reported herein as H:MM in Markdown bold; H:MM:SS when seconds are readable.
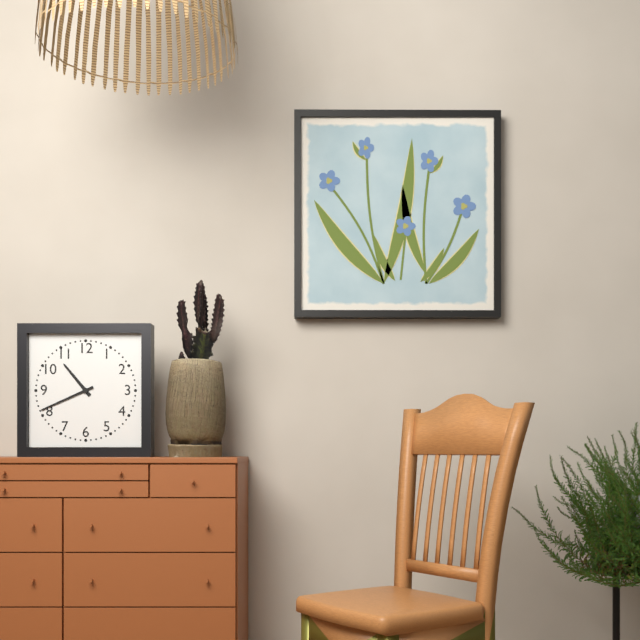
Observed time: **10:41**
